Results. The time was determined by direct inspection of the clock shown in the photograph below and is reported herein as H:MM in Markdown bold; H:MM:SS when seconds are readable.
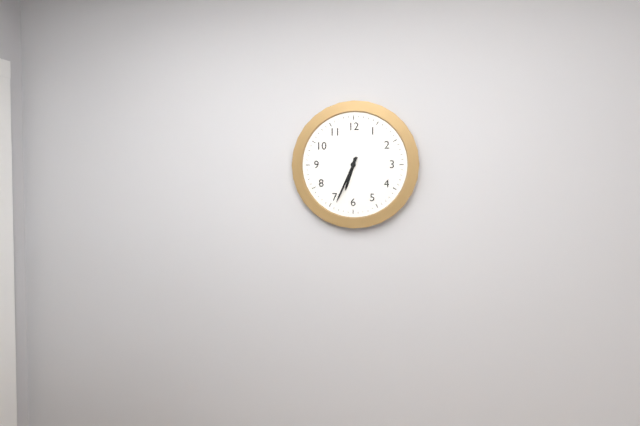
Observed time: **6:34**
